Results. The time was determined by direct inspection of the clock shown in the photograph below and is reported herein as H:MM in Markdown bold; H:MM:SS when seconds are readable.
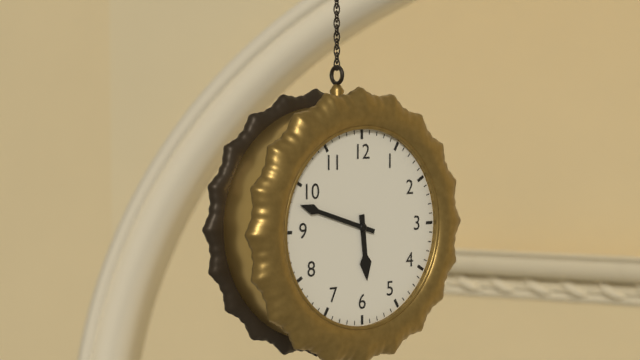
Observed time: **5:48**
